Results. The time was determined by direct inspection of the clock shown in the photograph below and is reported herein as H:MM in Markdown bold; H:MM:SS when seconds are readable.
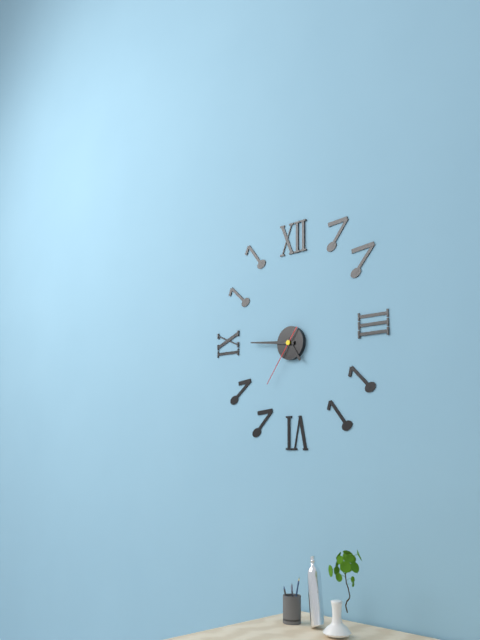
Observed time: **4:46:36**
